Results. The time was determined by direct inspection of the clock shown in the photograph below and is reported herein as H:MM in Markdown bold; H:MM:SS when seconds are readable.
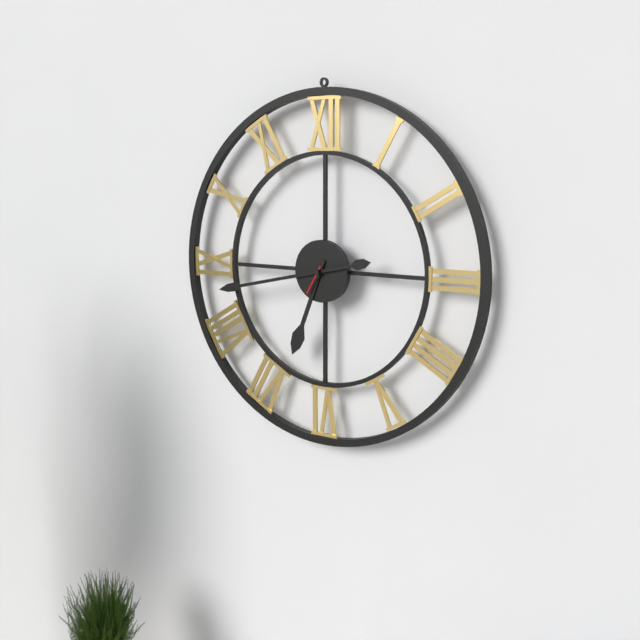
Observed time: **6:43**
